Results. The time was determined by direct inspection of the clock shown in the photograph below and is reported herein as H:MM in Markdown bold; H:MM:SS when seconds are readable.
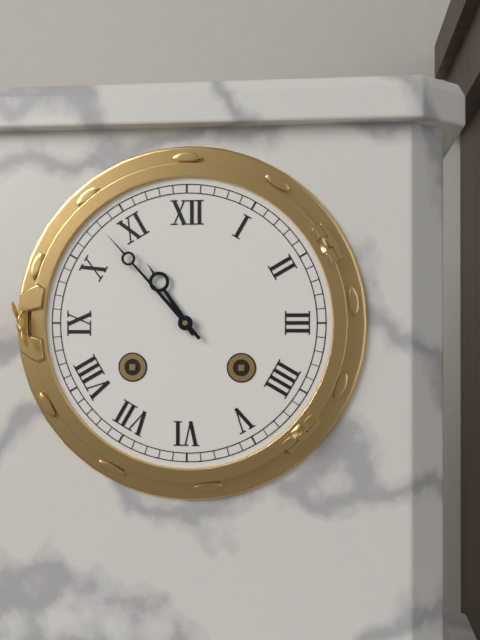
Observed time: **10:53**
